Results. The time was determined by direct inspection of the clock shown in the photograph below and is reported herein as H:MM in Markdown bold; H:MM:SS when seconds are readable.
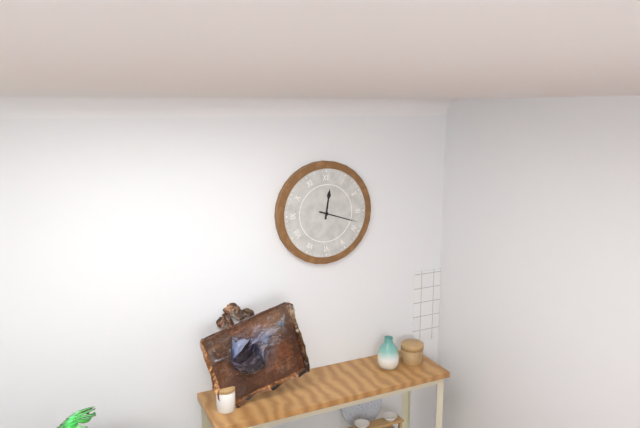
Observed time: **12:18**
